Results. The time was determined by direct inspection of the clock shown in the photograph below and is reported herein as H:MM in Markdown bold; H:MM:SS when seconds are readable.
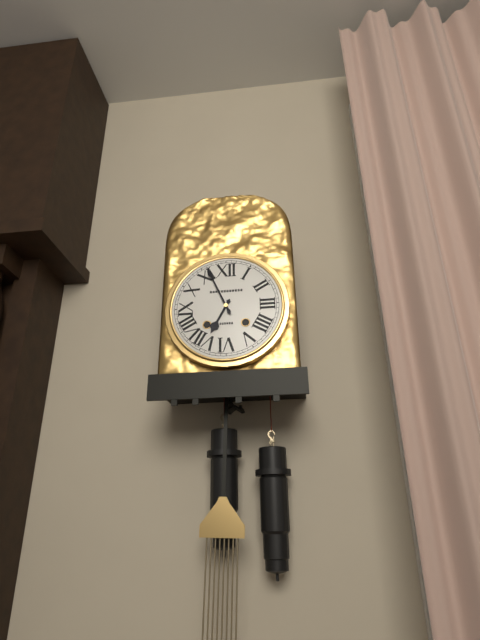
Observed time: **6:56**
